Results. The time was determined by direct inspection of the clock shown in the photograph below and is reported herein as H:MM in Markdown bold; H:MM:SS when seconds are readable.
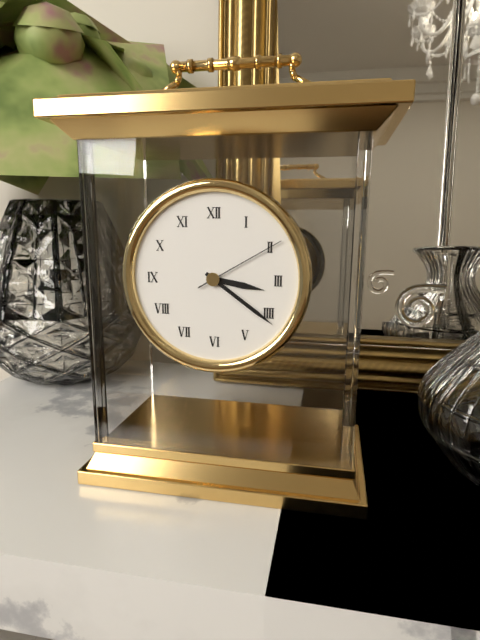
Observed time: **3:21:10**
